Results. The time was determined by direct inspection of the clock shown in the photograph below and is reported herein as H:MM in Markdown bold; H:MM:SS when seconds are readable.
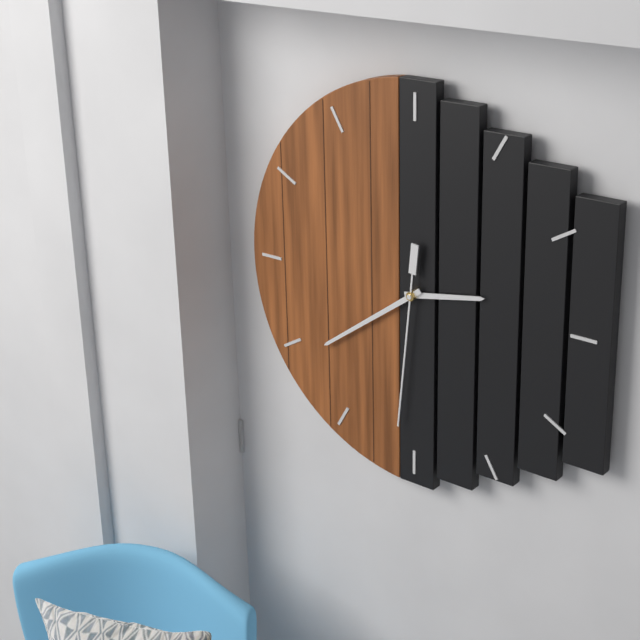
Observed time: **2:39:31**
